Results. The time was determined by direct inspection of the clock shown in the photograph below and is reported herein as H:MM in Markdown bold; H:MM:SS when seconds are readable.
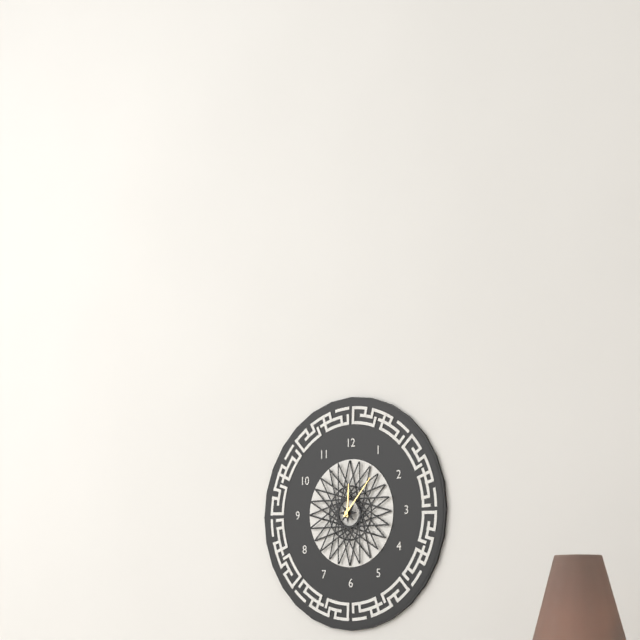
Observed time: **12:07**
